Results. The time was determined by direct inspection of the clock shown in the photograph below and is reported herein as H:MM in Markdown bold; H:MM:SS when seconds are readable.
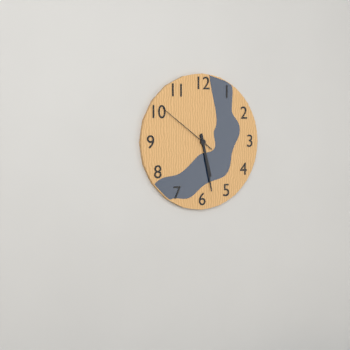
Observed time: **5:28:51**
